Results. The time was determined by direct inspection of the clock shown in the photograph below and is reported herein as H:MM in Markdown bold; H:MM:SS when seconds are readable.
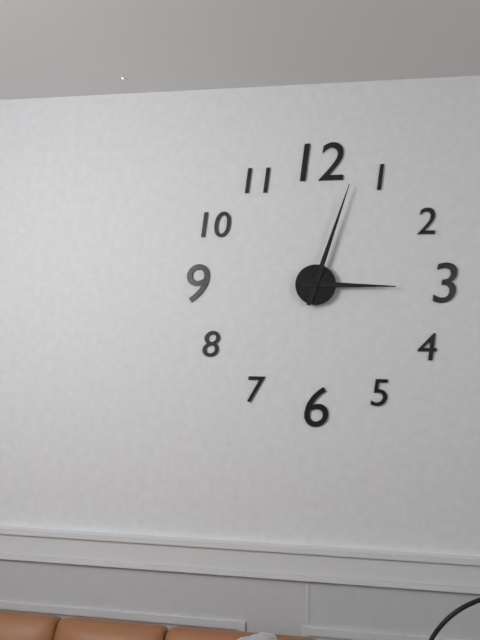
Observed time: **3:03**
